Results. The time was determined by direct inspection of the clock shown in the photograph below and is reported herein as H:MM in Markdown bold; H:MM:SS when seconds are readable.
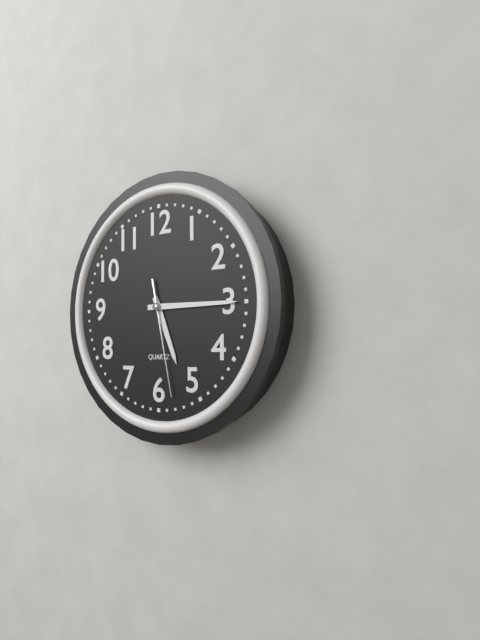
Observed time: **5:15:28**
